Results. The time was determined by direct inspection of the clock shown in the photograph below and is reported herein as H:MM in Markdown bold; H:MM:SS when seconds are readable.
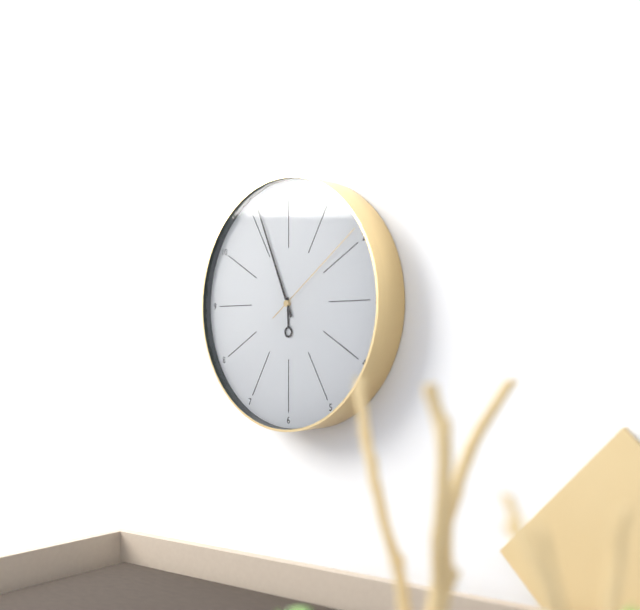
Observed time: **5:56:09**
